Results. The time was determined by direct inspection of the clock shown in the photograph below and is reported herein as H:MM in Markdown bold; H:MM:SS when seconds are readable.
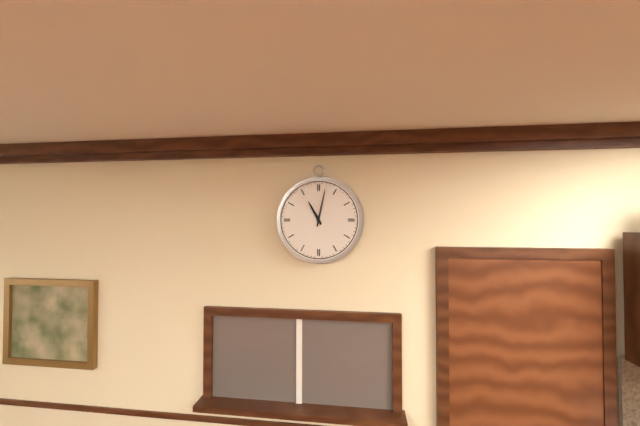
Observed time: **11:02**
